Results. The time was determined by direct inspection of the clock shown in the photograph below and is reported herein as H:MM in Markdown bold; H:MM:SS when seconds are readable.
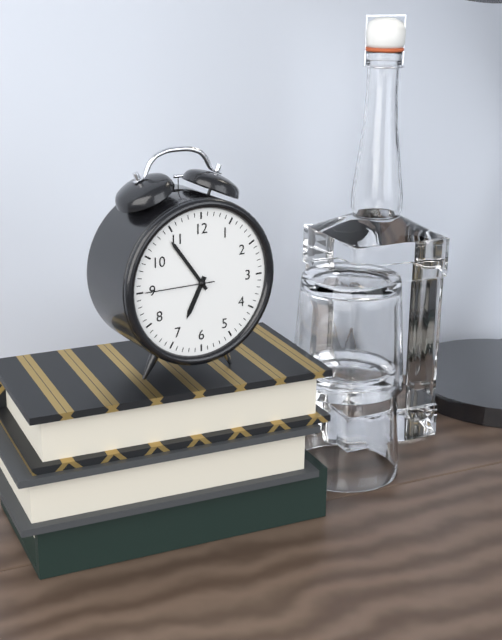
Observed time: **6:54:45**
